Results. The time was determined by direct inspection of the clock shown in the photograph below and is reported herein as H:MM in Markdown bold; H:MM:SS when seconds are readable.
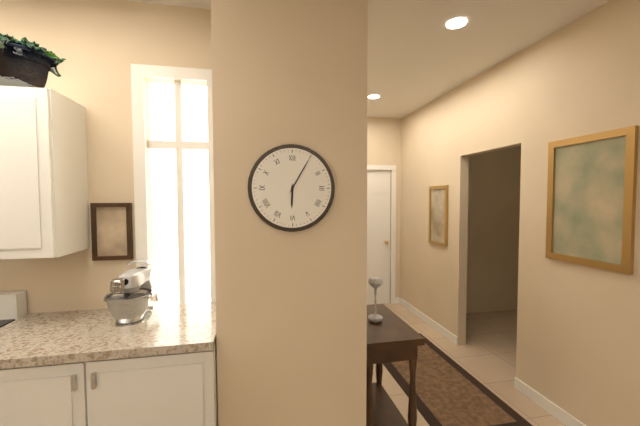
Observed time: **6:05**
